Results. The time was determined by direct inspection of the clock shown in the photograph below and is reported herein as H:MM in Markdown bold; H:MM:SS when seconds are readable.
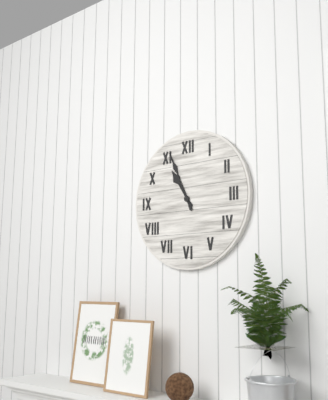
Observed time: **10:56**
